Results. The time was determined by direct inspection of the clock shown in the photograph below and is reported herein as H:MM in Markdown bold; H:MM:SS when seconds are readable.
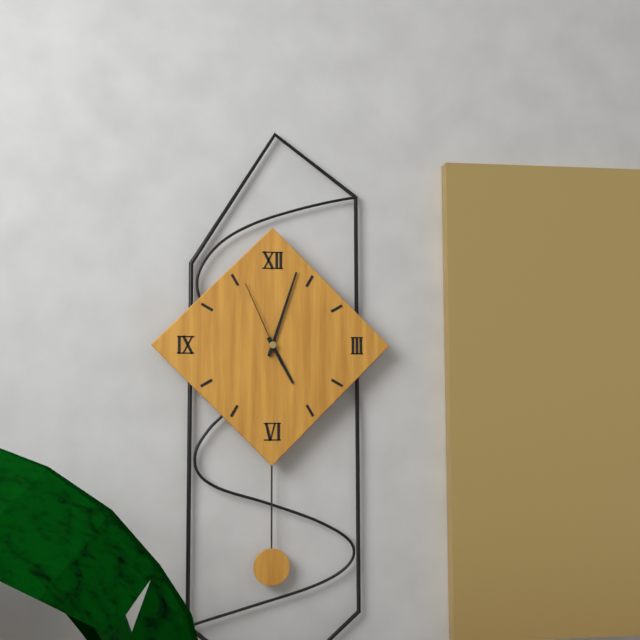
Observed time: **5:03:56**
